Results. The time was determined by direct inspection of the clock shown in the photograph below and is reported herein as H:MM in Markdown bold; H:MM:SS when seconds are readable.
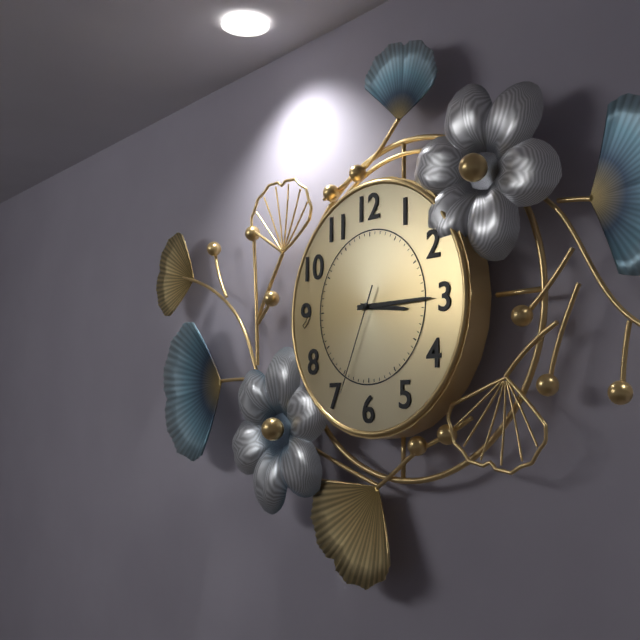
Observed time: **3:15:34**
